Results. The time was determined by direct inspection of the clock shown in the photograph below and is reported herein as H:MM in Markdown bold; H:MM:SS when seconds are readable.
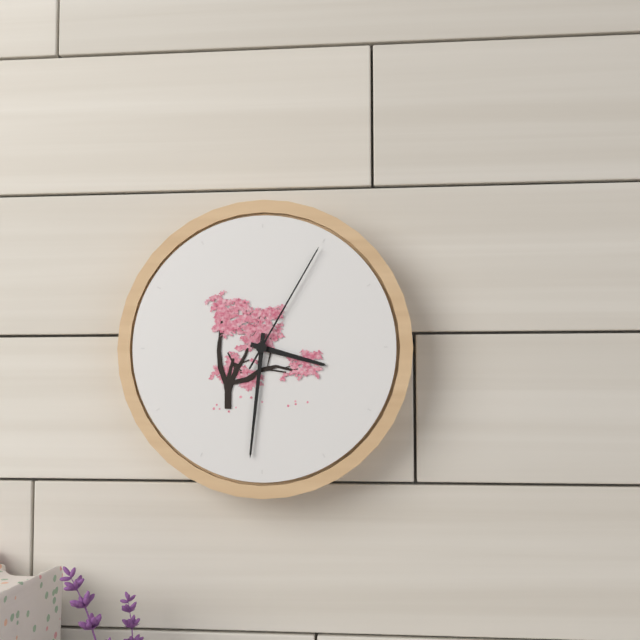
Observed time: **3:31:05**
